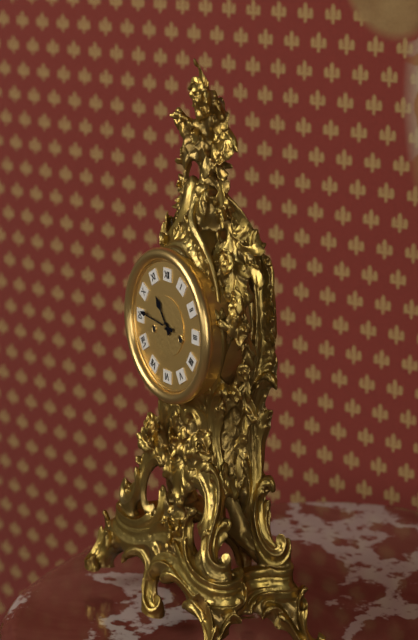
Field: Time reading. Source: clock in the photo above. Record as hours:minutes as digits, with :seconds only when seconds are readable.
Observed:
10:46
